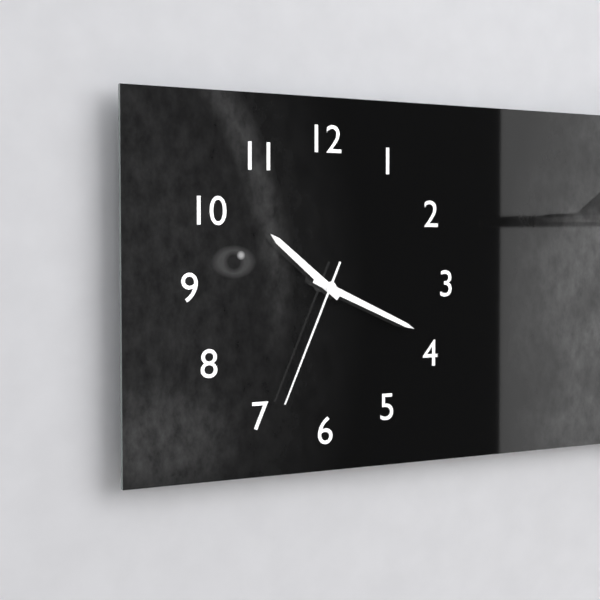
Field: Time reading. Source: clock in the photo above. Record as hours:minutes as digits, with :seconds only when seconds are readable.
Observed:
10:19:34
